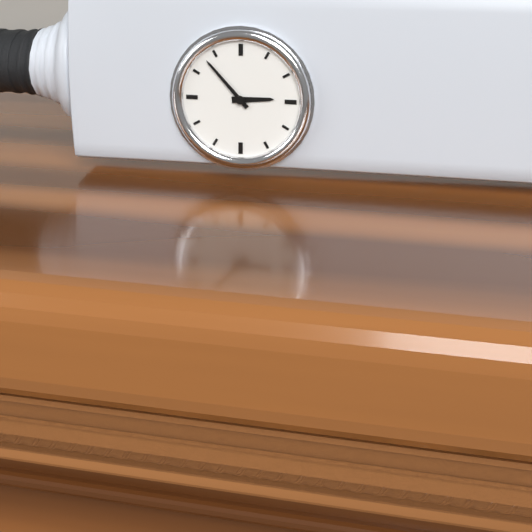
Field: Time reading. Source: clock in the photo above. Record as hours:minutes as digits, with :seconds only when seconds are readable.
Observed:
2:53
